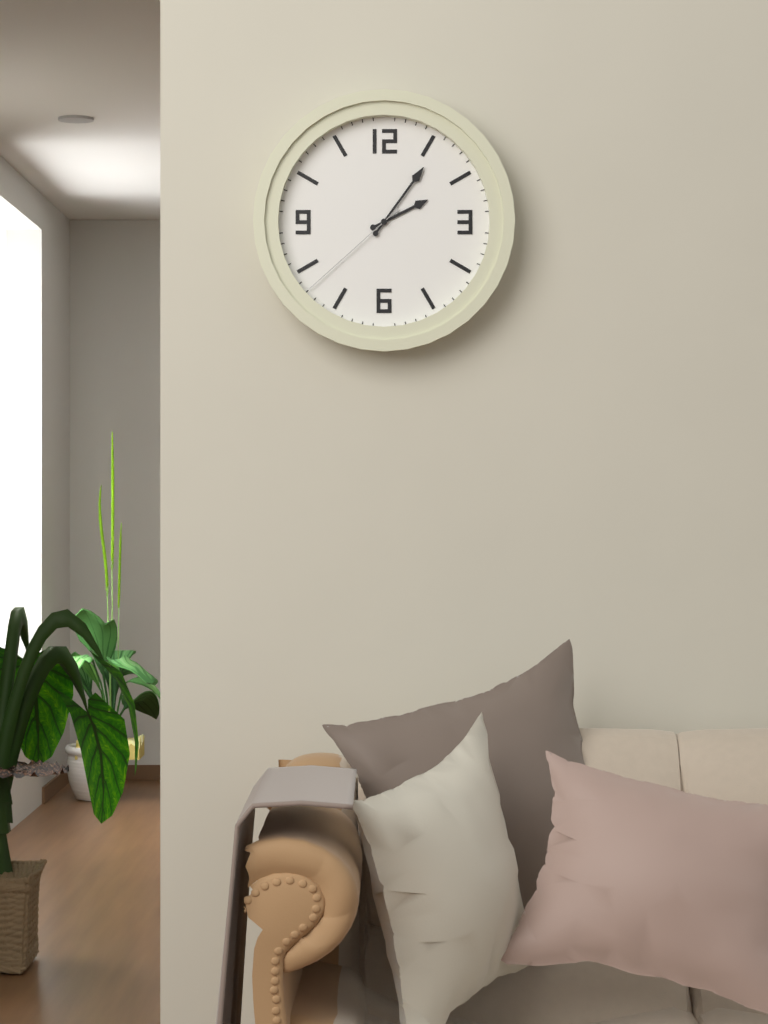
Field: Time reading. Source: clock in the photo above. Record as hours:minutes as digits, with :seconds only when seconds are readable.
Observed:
2:06:38
